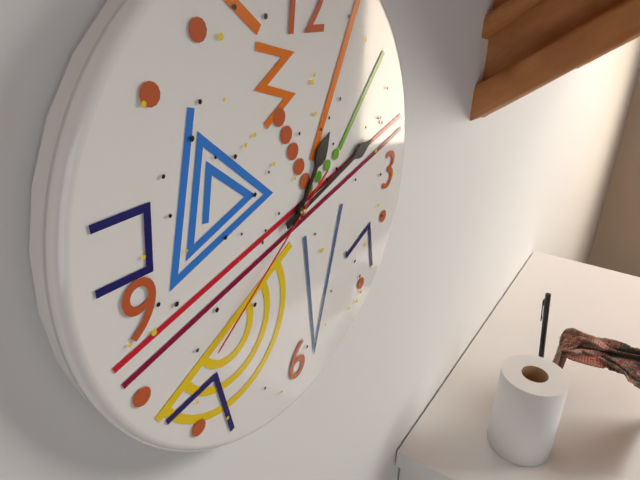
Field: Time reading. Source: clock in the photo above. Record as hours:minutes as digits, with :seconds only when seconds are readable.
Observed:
1:12:39
